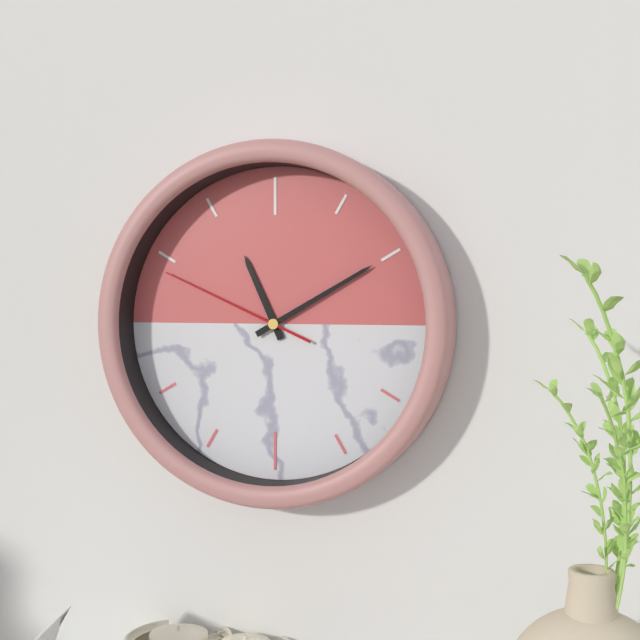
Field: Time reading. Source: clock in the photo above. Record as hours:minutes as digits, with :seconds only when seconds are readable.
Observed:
11:10:49
